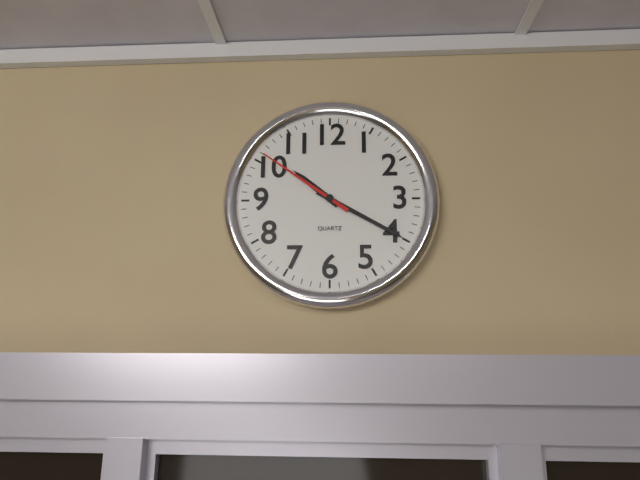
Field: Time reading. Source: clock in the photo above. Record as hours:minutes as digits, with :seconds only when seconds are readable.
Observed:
10:20:51
